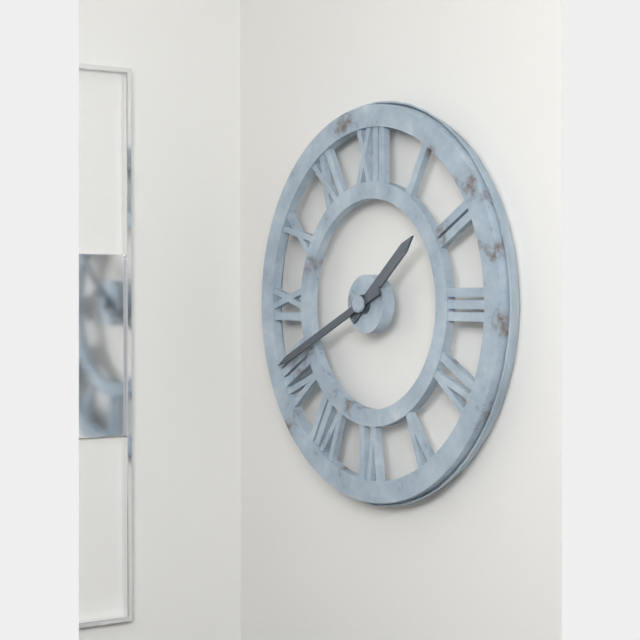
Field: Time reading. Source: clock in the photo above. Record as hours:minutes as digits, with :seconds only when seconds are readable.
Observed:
1:41
